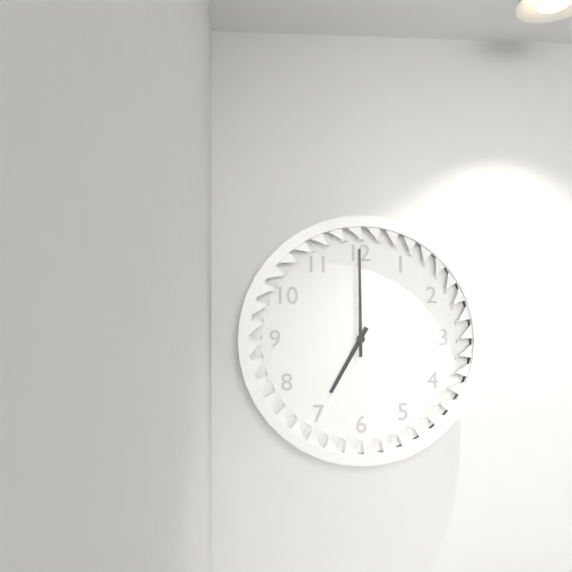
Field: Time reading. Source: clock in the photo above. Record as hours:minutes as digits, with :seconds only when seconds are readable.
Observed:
7:00
